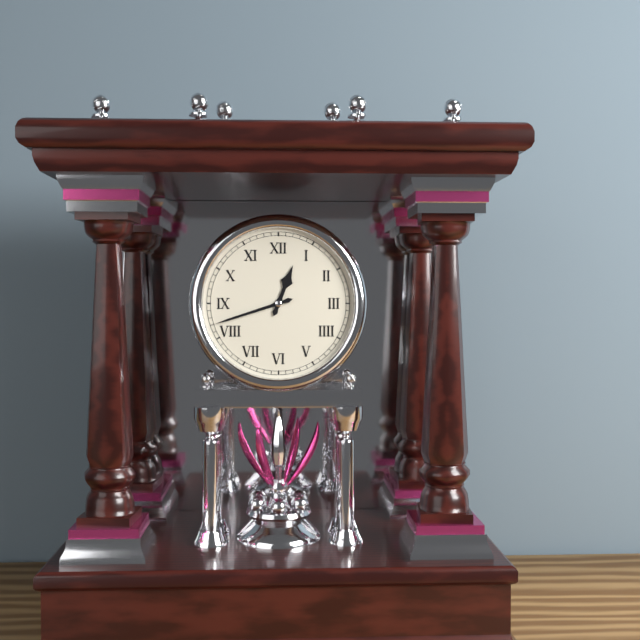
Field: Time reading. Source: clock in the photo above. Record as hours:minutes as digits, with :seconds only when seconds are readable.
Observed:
12:42
